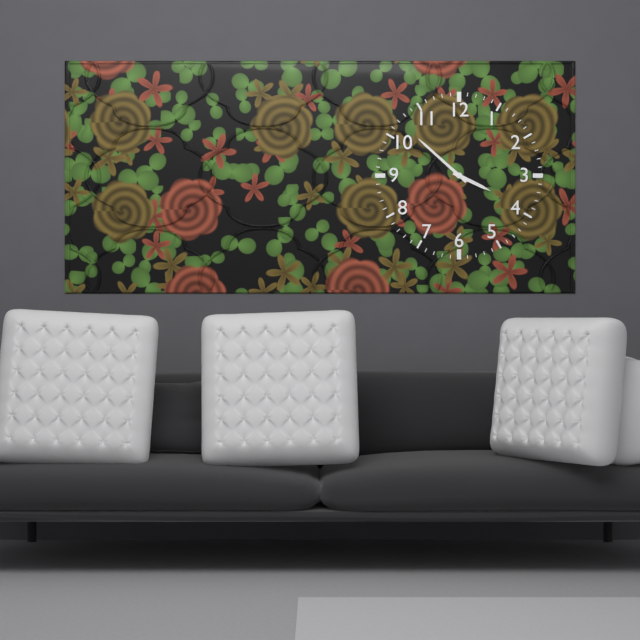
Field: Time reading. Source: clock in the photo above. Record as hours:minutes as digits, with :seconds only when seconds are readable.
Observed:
3:52
